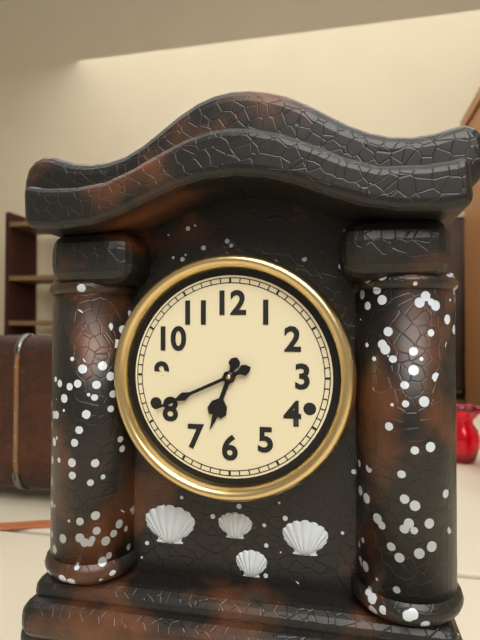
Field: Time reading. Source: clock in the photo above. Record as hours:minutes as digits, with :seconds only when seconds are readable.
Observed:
6:41
